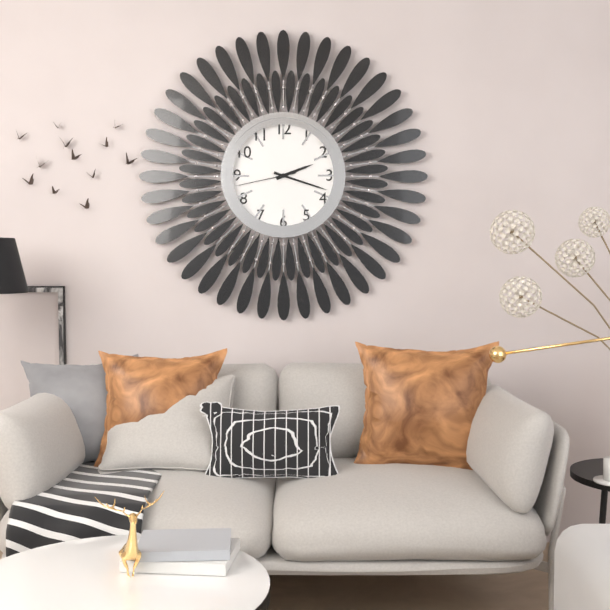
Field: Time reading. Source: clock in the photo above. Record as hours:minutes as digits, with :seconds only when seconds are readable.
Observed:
2:18:43
